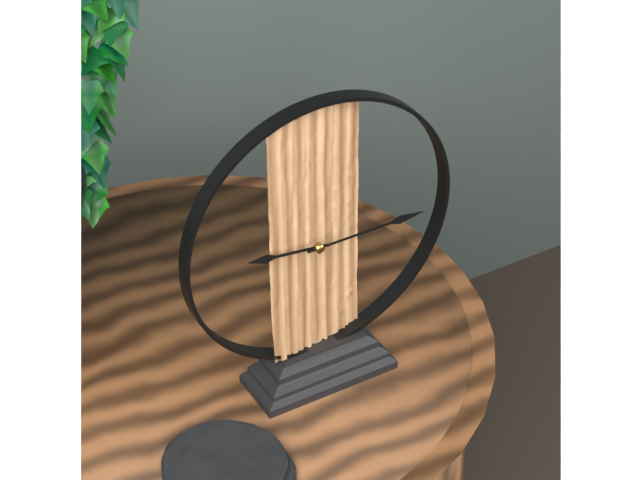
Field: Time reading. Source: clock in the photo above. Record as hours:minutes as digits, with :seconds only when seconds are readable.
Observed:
9:15
